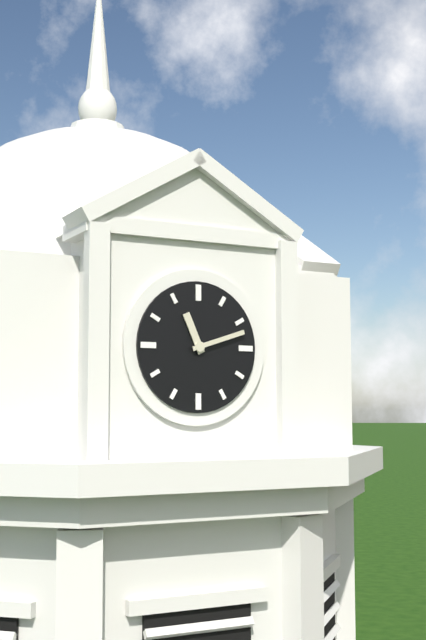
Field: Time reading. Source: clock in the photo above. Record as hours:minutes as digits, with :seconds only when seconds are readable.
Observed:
11:12
